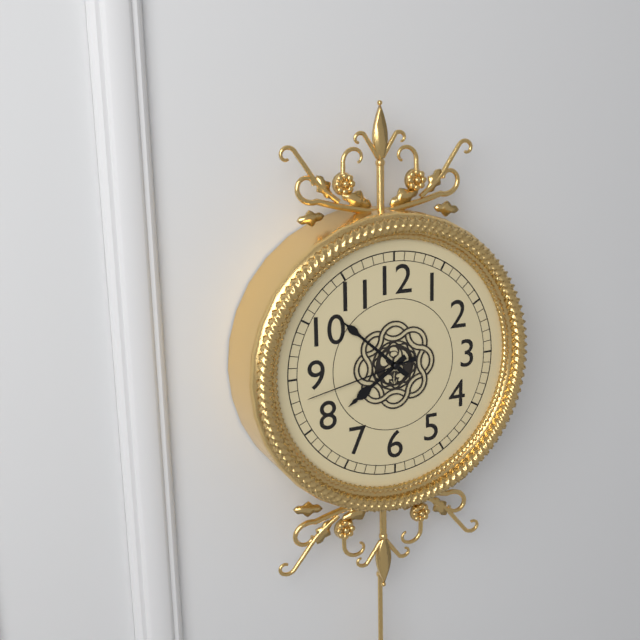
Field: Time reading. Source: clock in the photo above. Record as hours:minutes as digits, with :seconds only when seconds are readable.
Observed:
7:52:43
